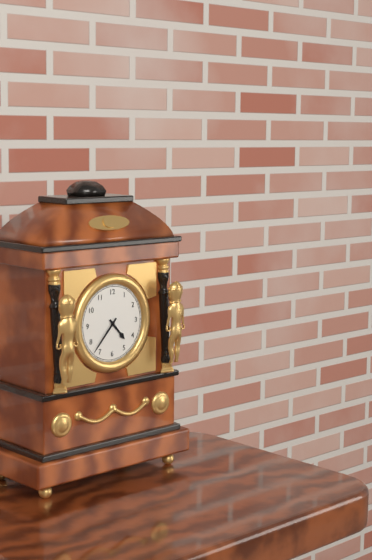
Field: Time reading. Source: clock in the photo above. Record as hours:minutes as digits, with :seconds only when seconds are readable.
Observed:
4:37
